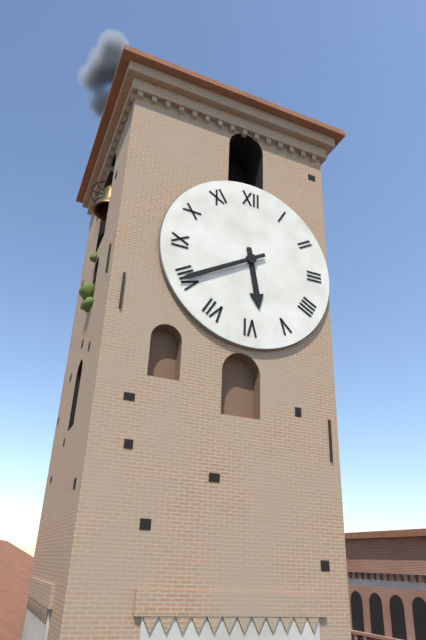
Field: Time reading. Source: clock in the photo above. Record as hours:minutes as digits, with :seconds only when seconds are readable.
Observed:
5:40
